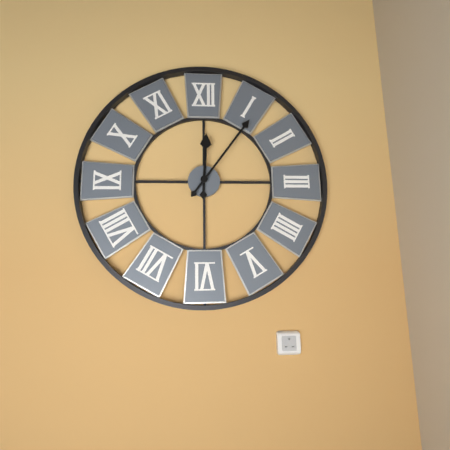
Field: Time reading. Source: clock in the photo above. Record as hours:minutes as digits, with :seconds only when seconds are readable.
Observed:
12:06
